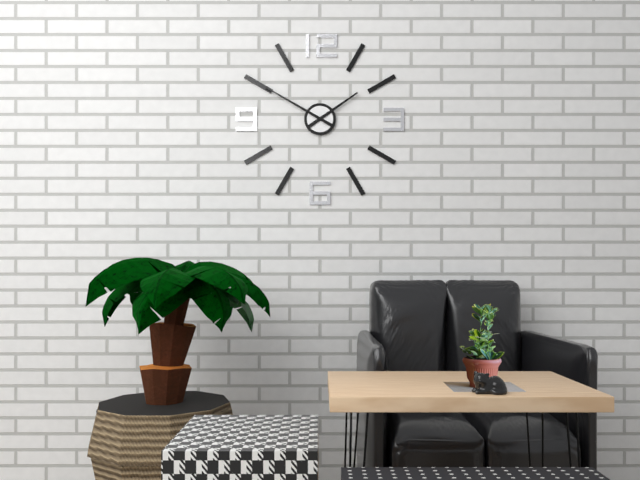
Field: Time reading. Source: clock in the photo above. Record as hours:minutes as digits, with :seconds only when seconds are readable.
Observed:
1:50
